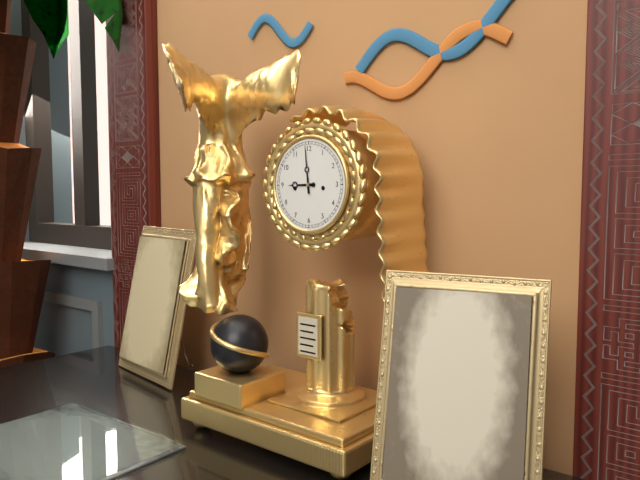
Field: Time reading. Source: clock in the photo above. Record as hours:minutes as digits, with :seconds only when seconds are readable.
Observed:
8:59
